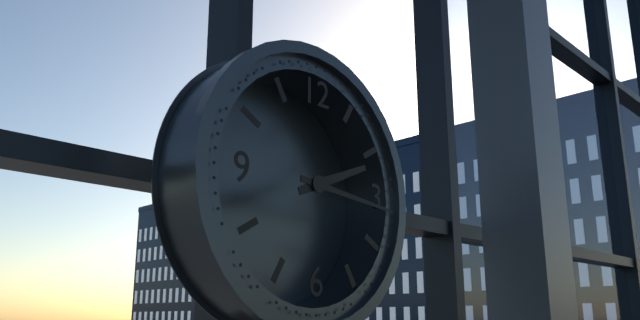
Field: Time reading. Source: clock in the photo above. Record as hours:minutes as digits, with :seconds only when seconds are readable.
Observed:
2:16
